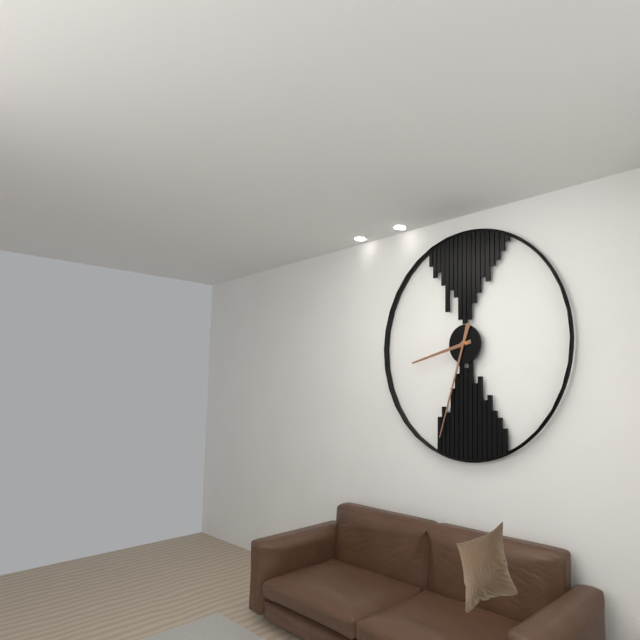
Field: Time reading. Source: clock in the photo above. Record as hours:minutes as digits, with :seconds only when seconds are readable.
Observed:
8:33
